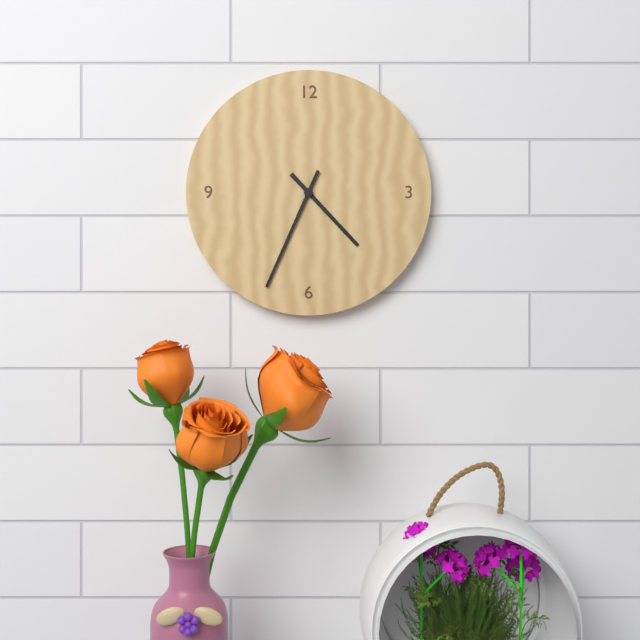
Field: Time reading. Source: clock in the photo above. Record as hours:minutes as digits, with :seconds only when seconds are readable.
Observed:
4:34
